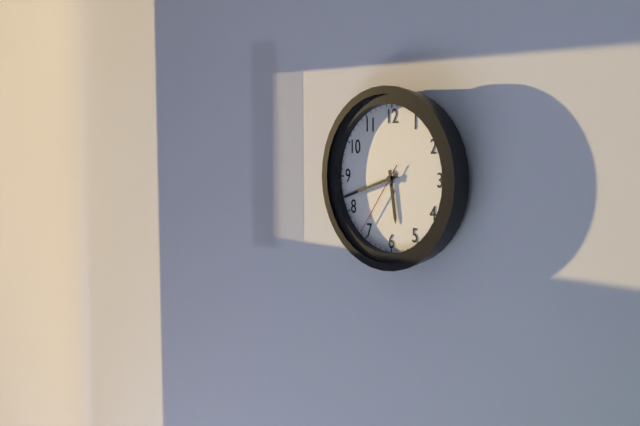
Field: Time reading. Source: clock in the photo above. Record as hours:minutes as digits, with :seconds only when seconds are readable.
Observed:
5:42:36
